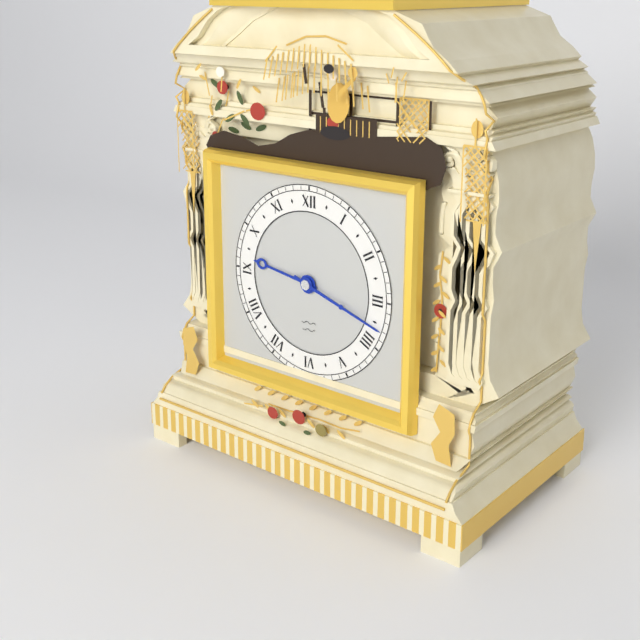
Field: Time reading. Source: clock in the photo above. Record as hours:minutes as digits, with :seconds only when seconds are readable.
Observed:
9:18
